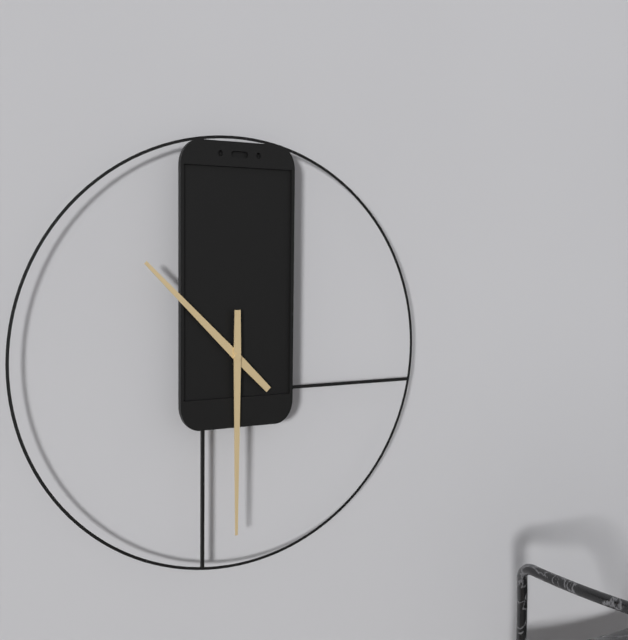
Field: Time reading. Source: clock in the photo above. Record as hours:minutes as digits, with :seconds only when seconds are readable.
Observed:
10:30
